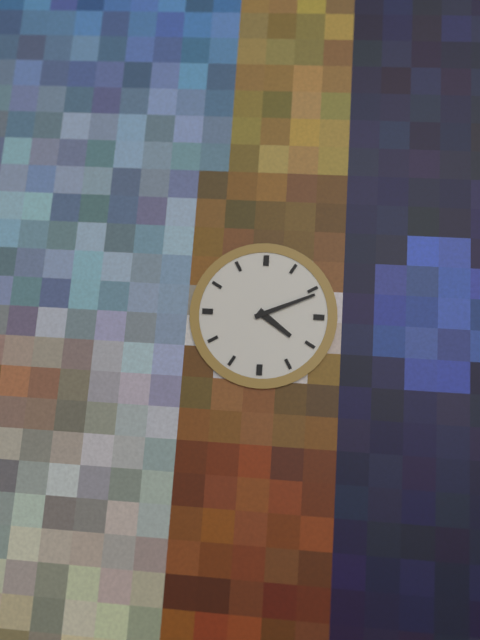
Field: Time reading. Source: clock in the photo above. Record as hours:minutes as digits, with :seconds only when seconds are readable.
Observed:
4:11
